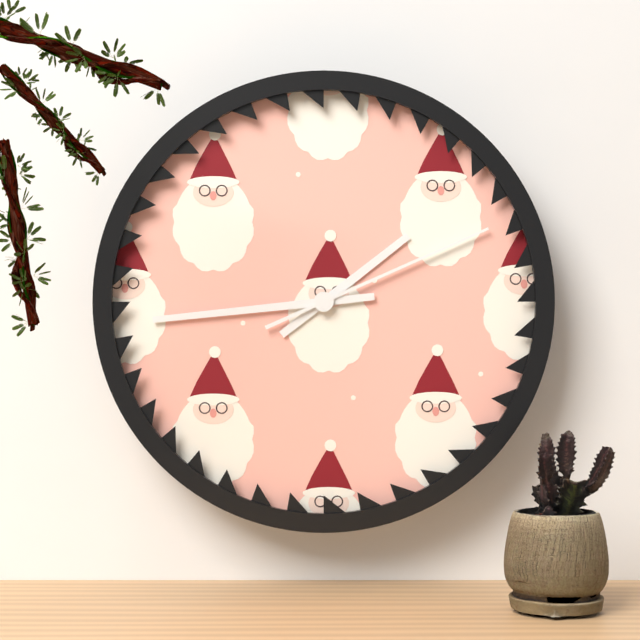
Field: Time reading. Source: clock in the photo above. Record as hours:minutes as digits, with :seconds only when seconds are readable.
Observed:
1:44:11
